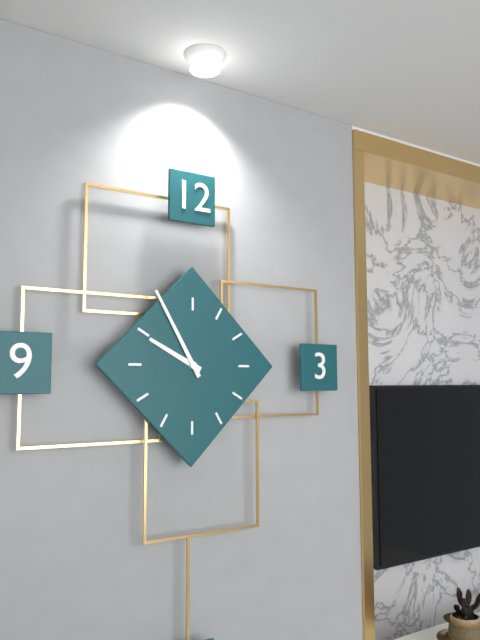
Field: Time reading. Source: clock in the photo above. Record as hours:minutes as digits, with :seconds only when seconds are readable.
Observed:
9:55
